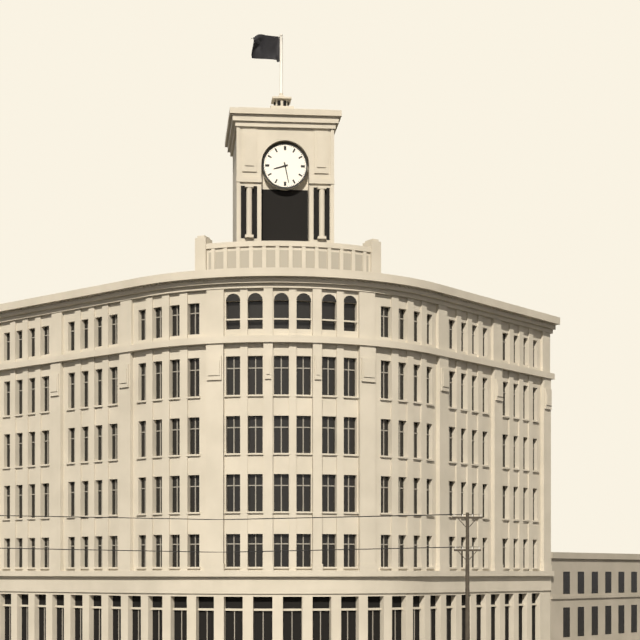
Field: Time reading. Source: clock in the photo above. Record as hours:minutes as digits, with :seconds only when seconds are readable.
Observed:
8:28
